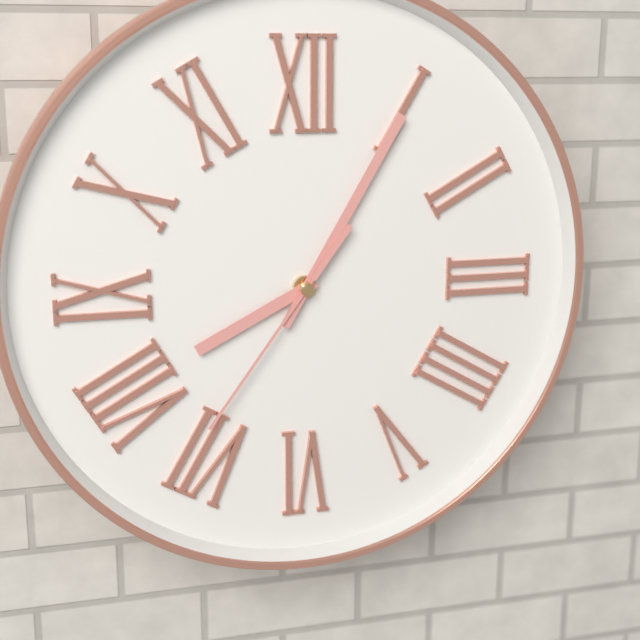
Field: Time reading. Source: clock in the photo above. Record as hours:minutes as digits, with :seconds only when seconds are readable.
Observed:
8:05:36
